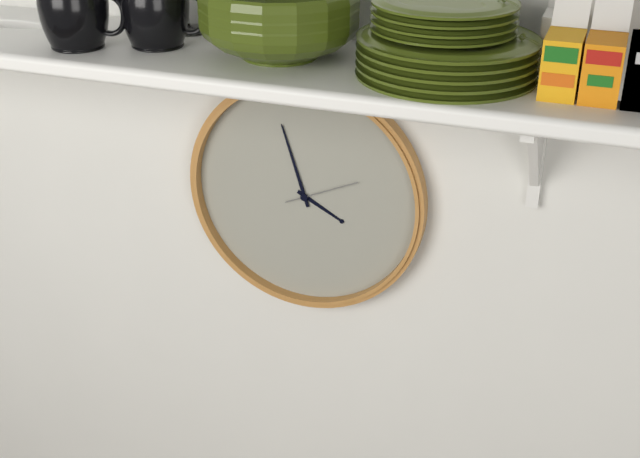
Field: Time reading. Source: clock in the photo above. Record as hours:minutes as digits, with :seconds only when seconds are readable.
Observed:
3:57:11
